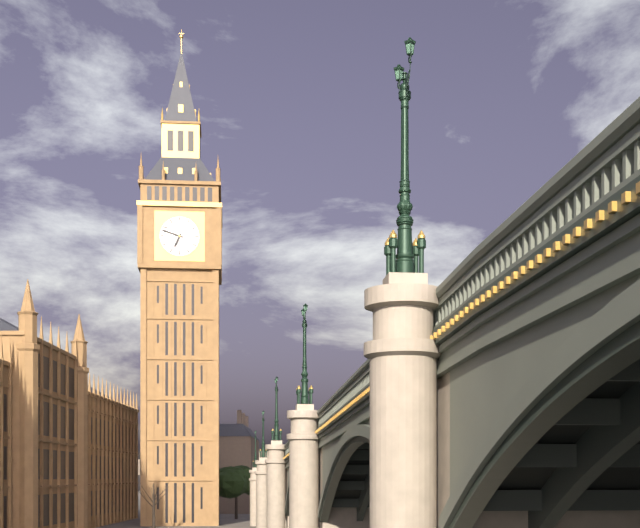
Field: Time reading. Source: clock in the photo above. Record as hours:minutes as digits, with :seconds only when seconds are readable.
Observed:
6:48
